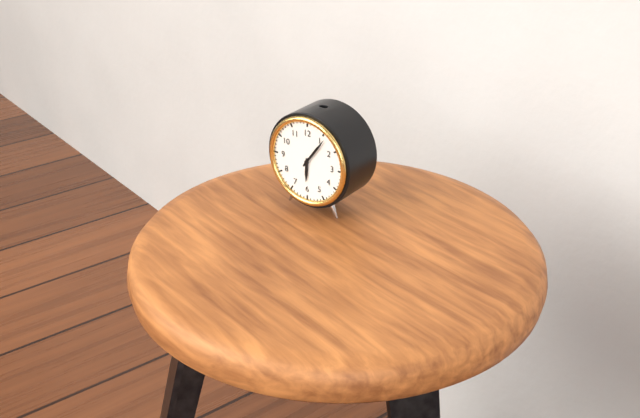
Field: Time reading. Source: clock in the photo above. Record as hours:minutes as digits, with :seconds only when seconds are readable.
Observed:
6:06
